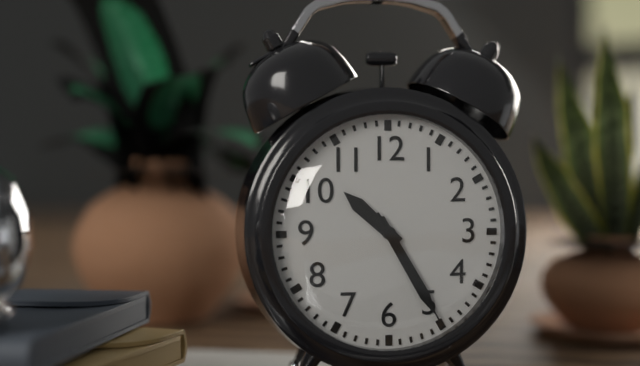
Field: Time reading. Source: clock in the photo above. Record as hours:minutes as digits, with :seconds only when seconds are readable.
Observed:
10:25:25
